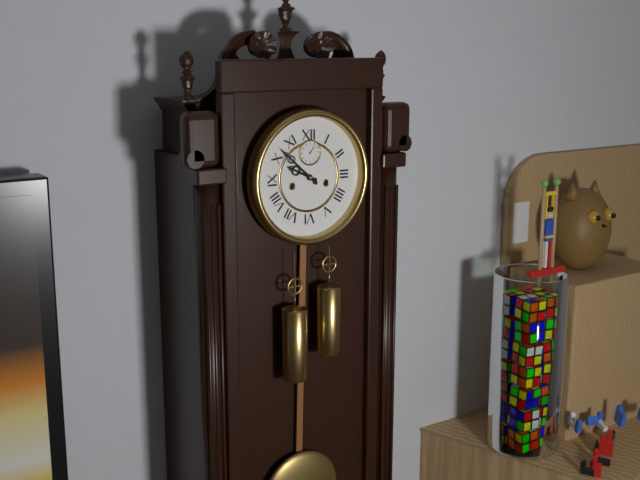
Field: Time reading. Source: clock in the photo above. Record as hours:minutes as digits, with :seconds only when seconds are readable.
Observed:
9:52
